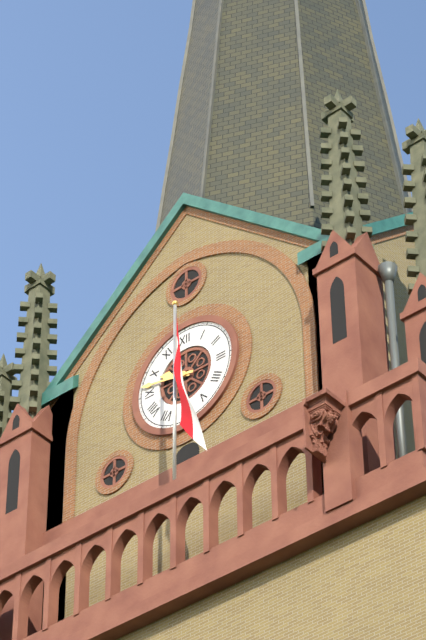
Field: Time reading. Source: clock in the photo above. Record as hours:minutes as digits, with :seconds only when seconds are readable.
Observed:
9:47
